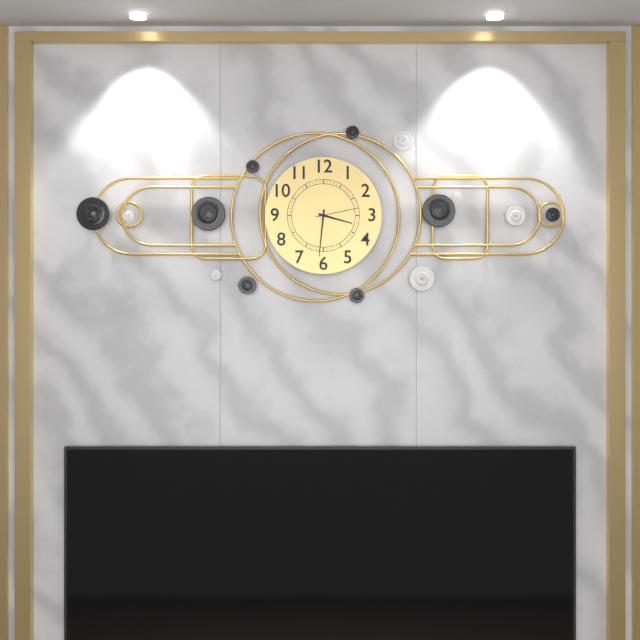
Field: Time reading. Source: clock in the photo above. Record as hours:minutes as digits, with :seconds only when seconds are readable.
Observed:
3:31
